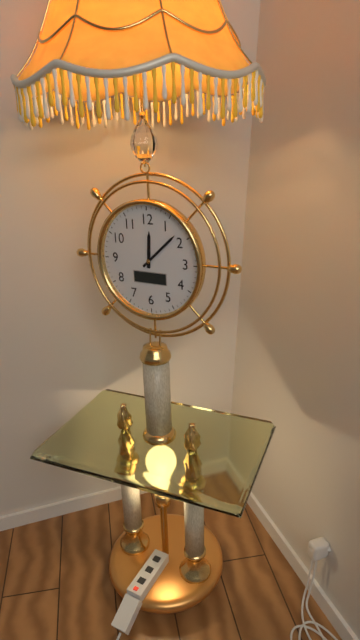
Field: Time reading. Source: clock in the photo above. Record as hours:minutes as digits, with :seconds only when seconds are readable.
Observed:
12:08
